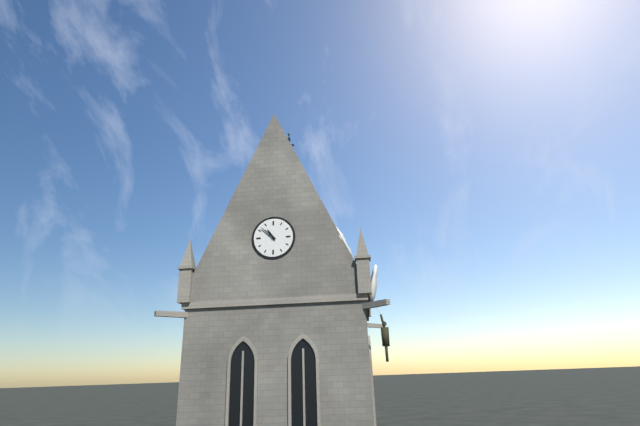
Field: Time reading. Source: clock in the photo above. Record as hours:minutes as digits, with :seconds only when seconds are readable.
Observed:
10:52
